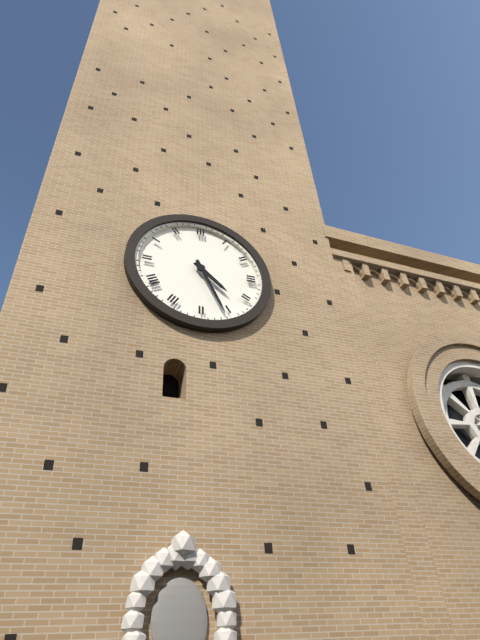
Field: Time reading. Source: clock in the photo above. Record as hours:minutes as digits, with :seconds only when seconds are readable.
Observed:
4:26
